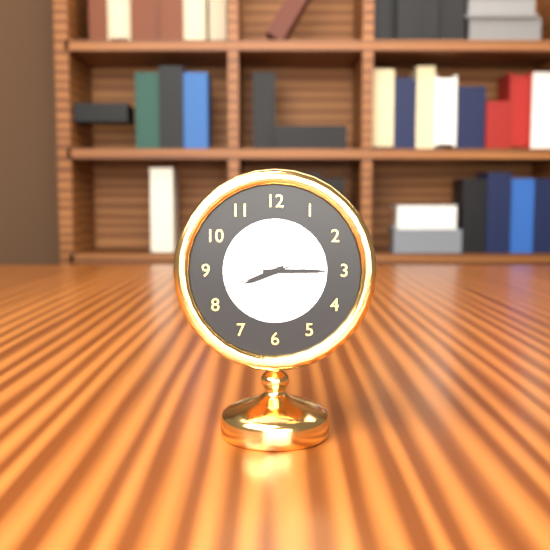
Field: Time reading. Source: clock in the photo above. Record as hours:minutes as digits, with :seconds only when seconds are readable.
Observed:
8:15:42
